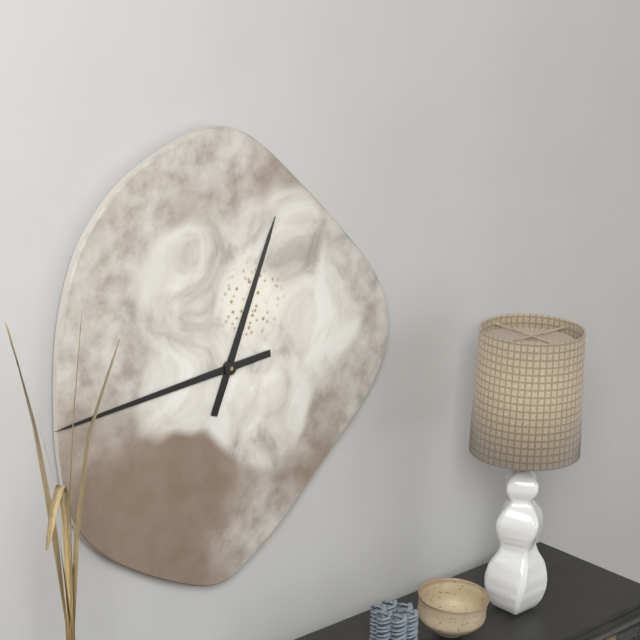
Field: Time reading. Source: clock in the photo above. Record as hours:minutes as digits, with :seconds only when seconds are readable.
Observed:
12:44
